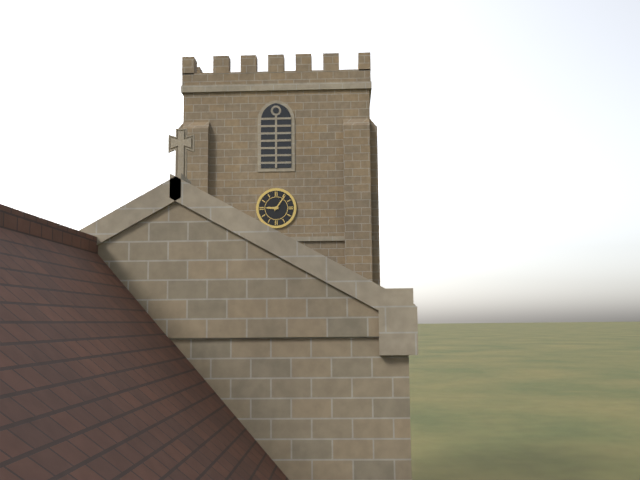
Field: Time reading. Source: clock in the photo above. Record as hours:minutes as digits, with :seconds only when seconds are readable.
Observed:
9:06
